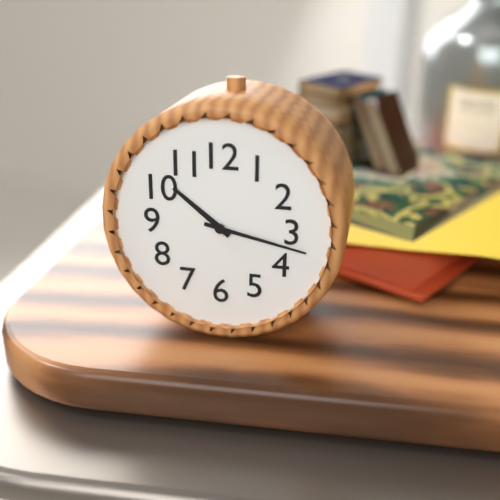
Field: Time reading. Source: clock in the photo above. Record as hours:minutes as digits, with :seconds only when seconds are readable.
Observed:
10:17
